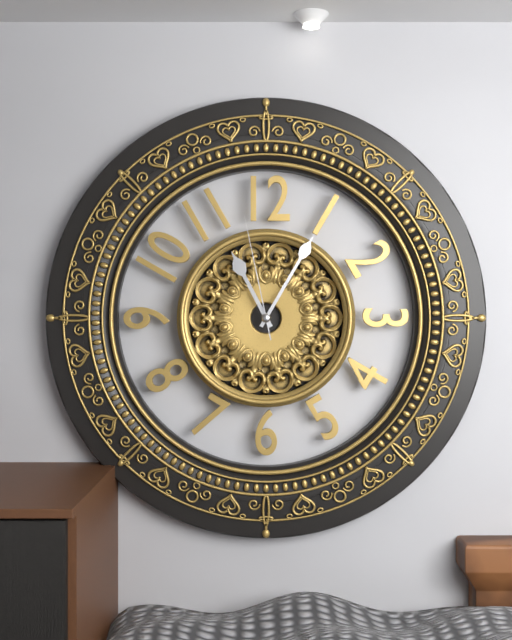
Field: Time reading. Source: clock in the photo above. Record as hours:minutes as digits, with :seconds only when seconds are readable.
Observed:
11:05:58
